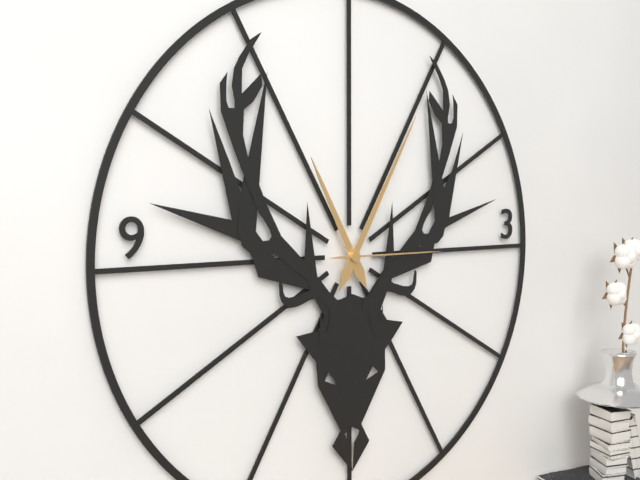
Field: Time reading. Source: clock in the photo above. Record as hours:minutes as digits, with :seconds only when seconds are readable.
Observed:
11:05:15
